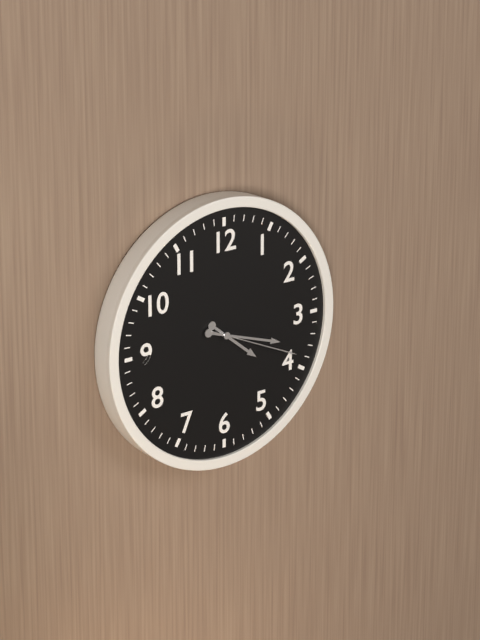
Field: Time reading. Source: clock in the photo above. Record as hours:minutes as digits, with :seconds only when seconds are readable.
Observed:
4:18:19
